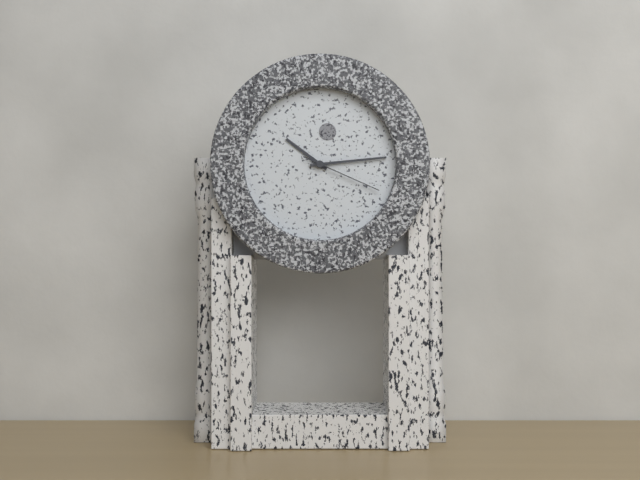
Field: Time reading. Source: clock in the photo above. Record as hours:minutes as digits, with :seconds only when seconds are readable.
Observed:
10:14:19
